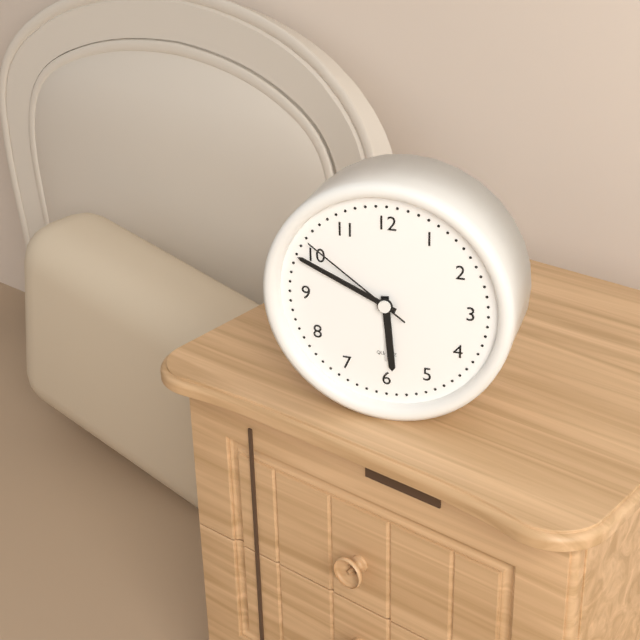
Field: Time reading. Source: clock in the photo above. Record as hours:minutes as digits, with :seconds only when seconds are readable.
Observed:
5:49:51
